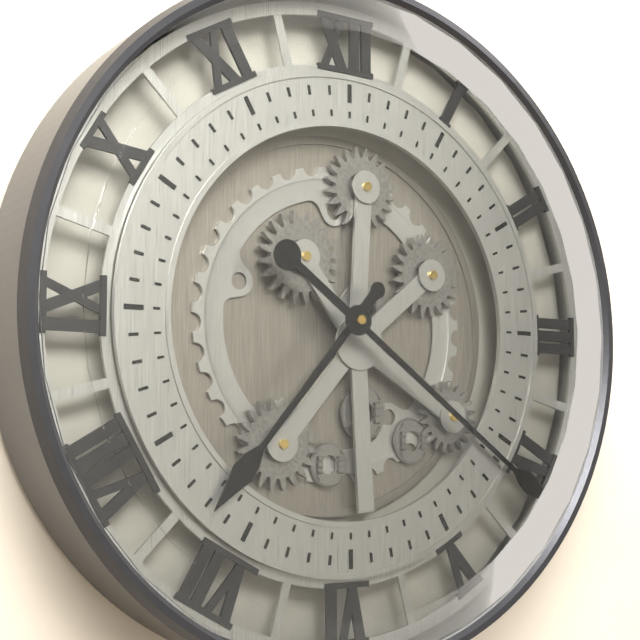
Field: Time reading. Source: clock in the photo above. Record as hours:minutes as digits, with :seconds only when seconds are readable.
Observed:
7:21
